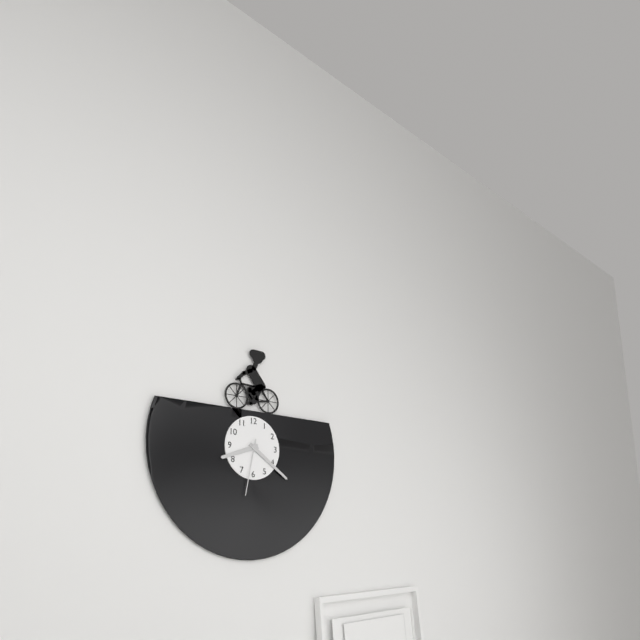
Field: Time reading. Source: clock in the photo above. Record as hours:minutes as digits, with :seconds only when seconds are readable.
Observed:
8:21:32
